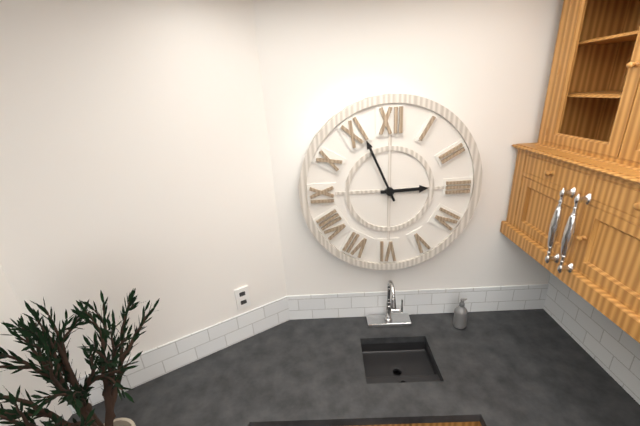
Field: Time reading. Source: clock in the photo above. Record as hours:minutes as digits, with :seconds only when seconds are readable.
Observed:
2:56
